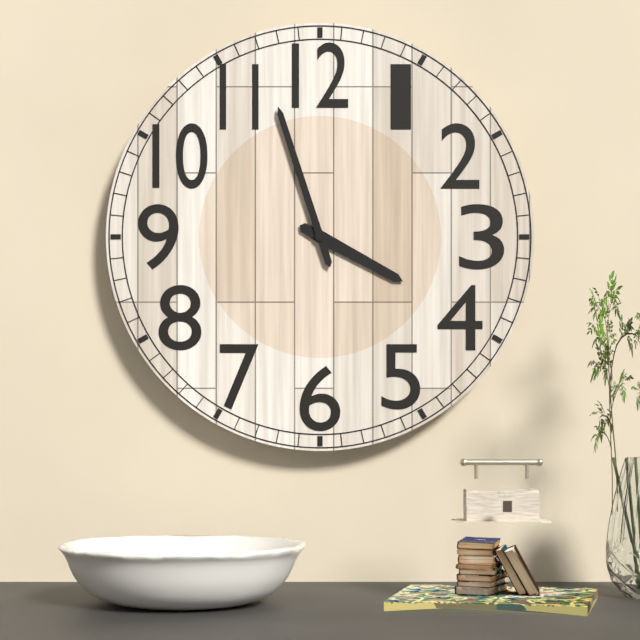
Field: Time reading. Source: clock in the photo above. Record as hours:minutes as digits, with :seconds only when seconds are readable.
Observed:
3:57
